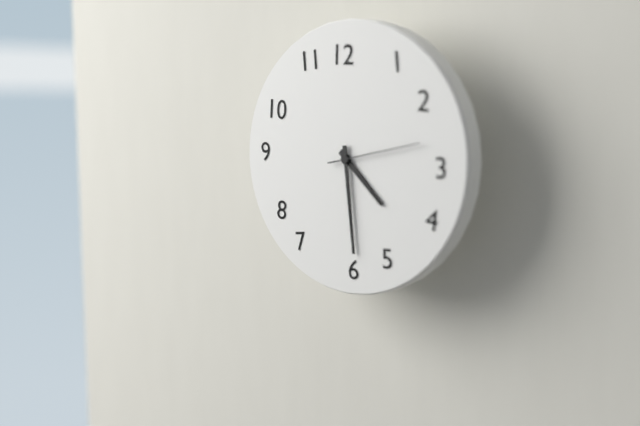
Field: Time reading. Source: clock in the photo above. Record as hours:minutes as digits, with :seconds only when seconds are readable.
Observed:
4:29
